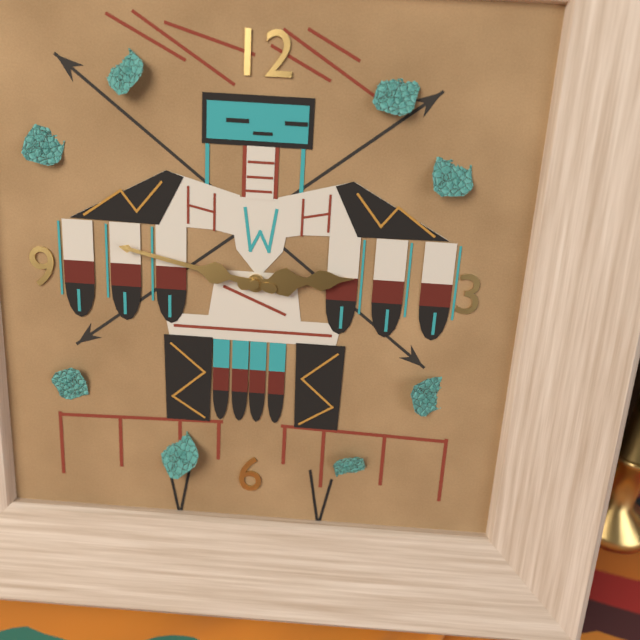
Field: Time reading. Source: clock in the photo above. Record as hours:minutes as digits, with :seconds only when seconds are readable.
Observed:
2:47
